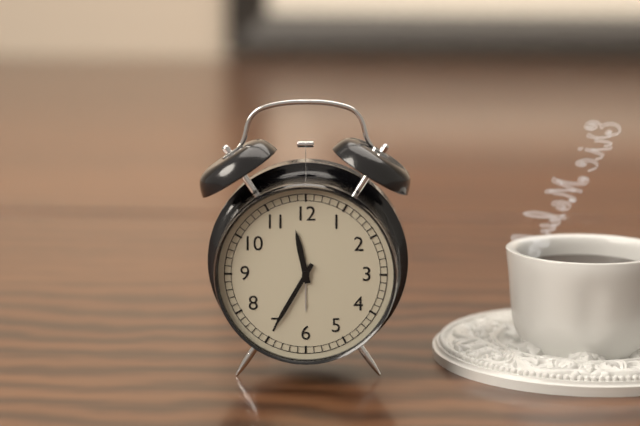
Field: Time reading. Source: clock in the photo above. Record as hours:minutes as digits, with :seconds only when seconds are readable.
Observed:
11:35
